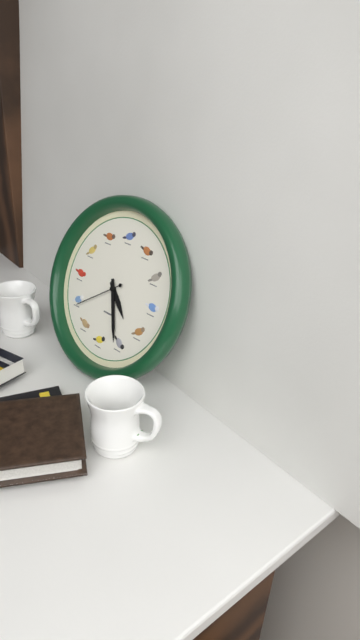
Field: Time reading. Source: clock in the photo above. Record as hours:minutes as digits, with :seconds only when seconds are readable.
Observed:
4:26:39
